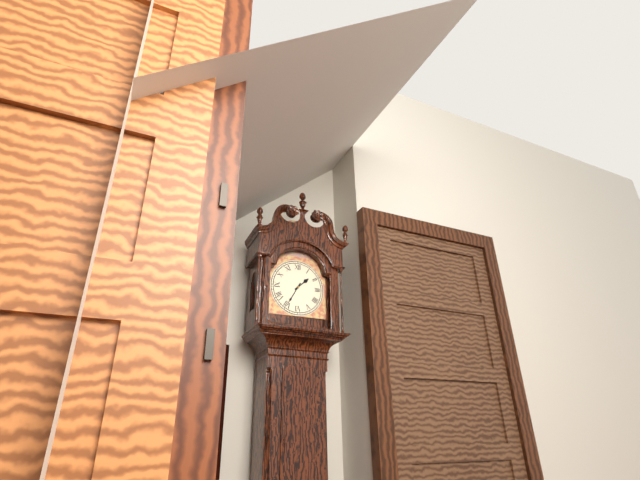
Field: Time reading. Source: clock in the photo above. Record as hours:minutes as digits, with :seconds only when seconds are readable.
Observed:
1:35
